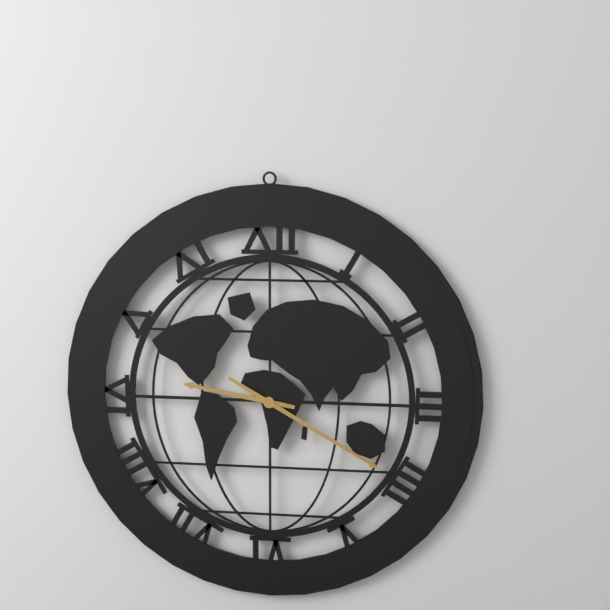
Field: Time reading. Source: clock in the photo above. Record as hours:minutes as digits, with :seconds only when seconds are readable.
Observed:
9:20
